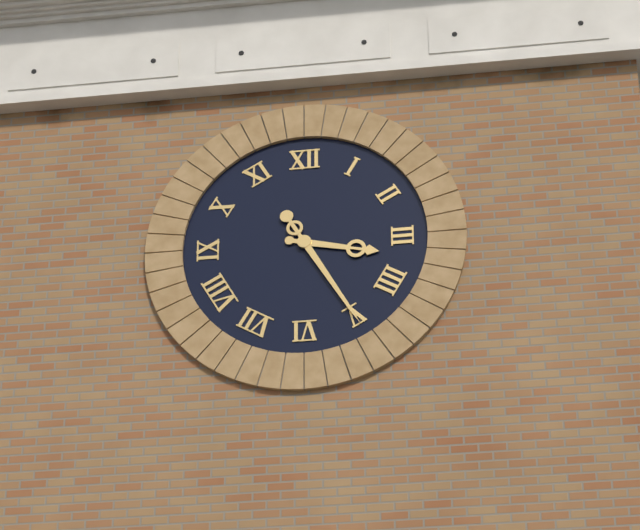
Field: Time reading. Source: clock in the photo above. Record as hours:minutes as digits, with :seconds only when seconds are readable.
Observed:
3:25
